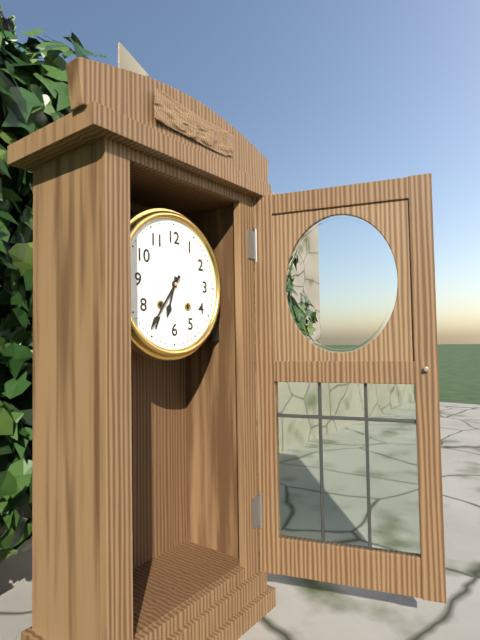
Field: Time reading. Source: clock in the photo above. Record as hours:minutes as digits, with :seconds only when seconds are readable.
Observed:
6:36
